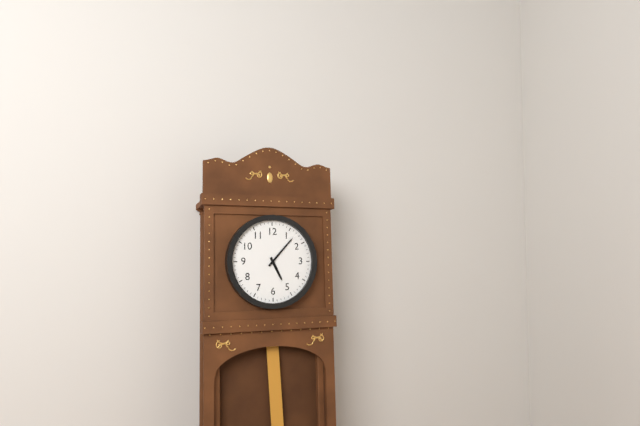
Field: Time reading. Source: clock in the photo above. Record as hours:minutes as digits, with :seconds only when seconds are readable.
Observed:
5:07
